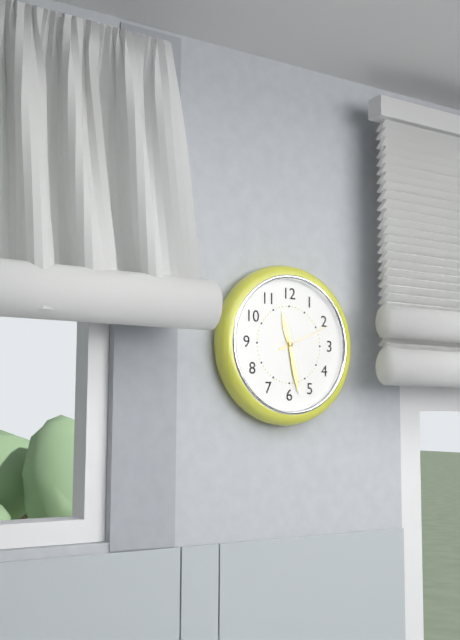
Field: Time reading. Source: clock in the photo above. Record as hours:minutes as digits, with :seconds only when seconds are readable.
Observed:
11:28:11
